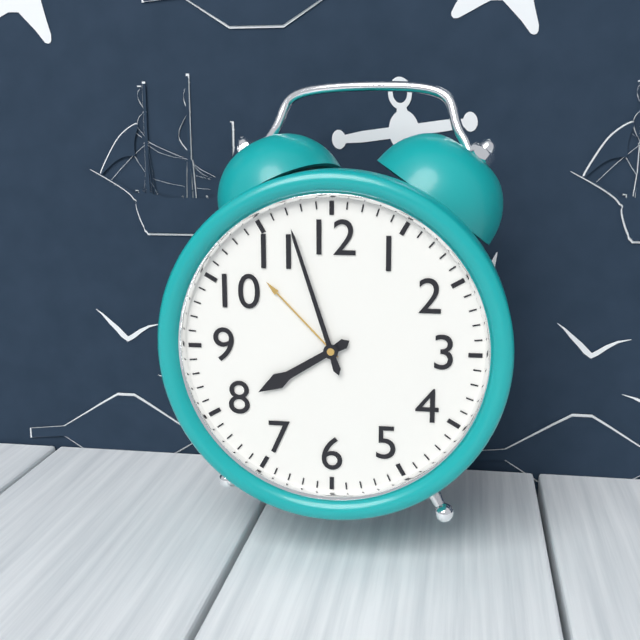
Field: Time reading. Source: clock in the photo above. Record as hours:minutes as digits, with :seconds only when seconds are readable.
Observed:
7:57
